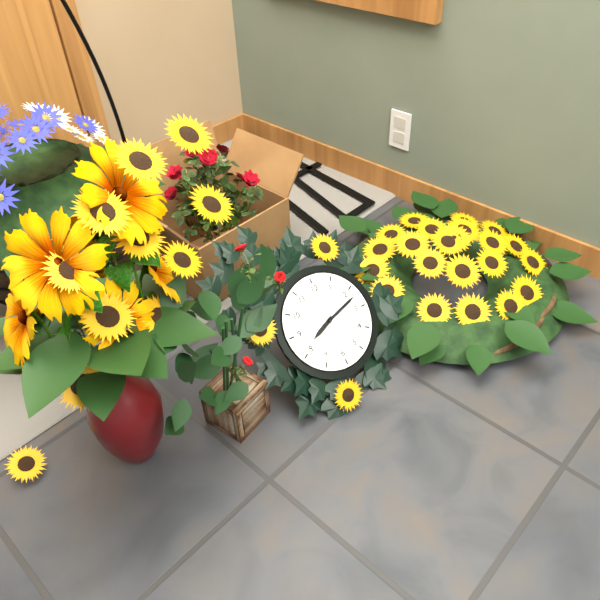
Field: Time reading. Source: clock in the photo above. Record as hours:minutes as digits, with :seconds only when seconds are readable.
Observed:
8:12
